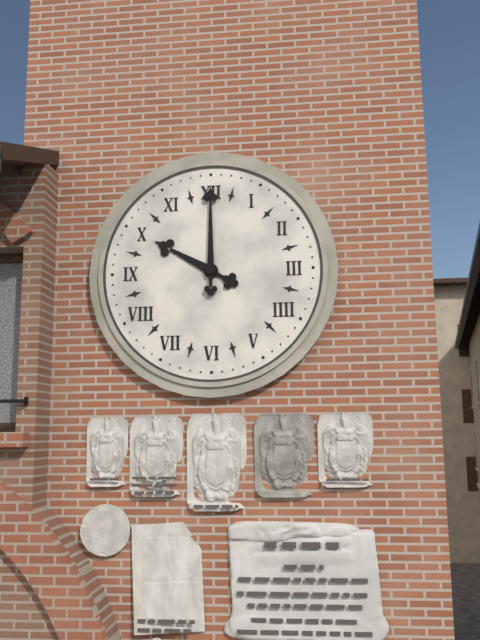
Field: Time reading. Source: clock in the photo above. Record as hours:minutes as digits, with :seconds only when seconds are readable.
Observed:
10:00
